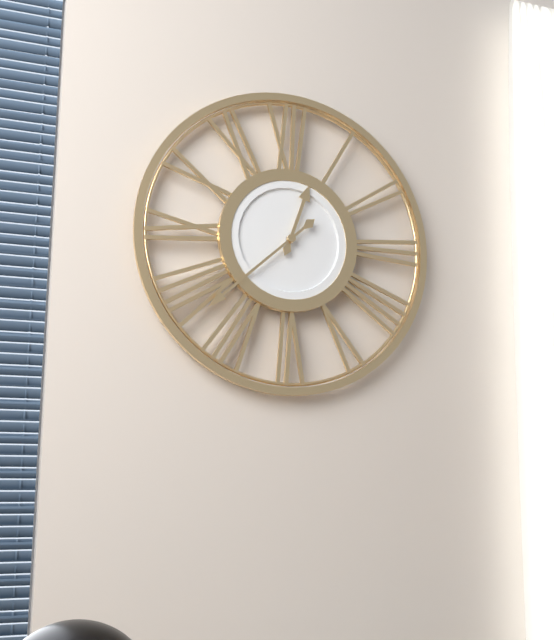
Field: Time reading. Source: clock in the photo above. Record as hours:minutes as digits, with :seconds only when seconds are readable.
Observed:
12:38
